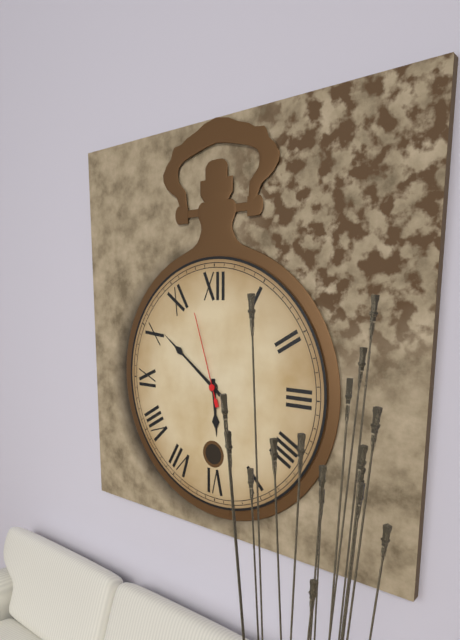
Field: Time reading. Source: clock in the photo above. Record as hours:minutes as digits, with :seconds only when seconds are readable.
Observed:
5:51:57
